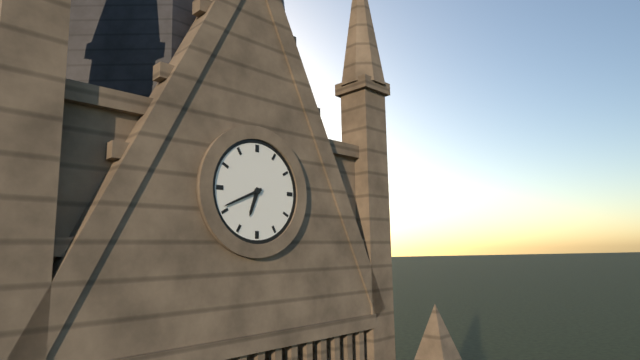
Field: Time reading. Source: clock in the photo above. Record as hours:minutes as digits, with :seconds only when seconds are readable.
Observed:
6:41
